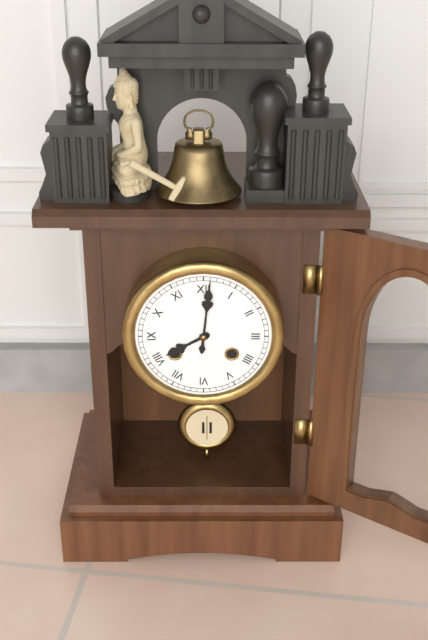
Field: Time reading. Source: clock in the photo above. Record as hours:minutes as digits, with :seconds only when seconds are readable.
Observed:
8:01
